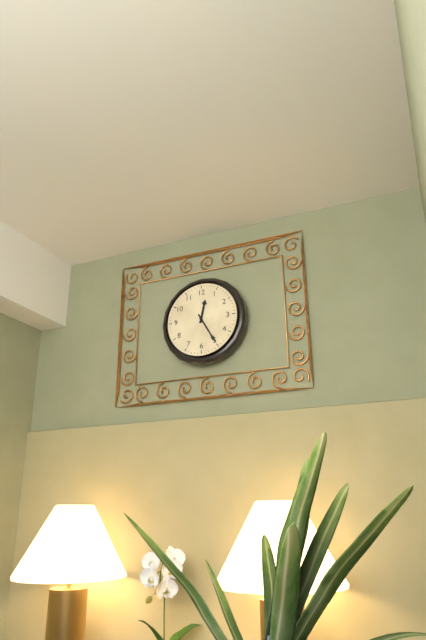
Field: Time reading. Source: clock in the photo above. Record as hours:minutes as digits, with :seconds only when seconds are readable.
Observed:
12:25
